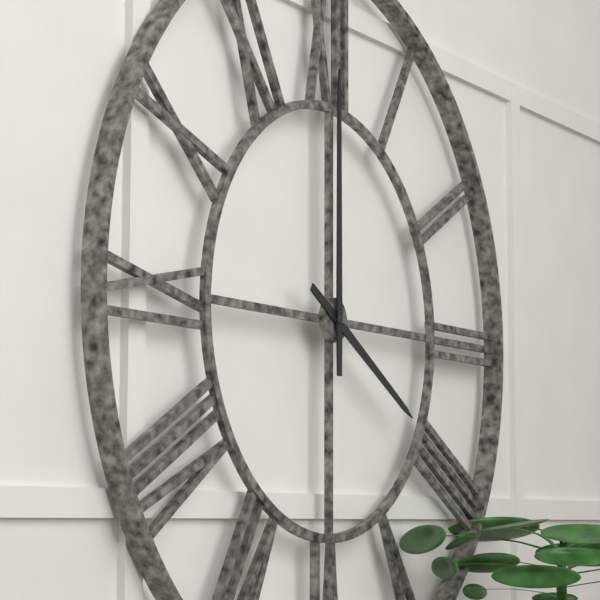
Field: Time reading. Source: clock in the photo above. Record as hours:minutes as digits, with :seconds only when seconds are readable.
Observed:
4:00
